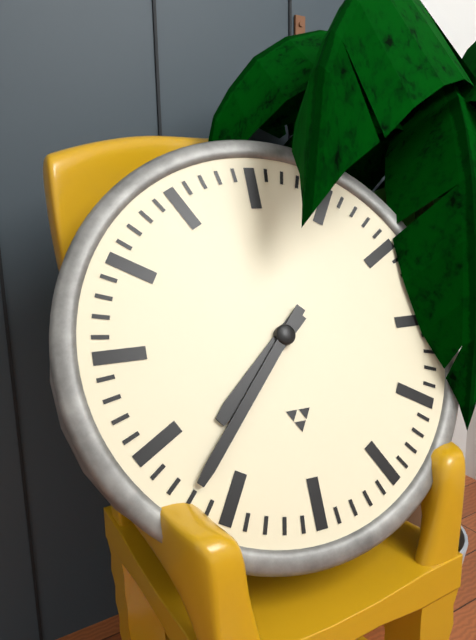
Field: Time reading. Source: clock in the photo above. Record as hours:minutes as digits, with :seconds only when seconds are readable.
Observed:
7:37
